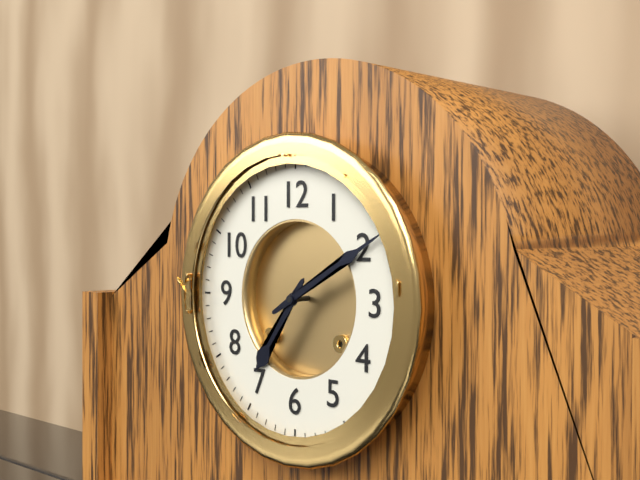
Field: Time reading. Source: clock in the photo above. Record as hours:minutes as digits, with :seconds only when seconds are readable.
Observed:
7:10
